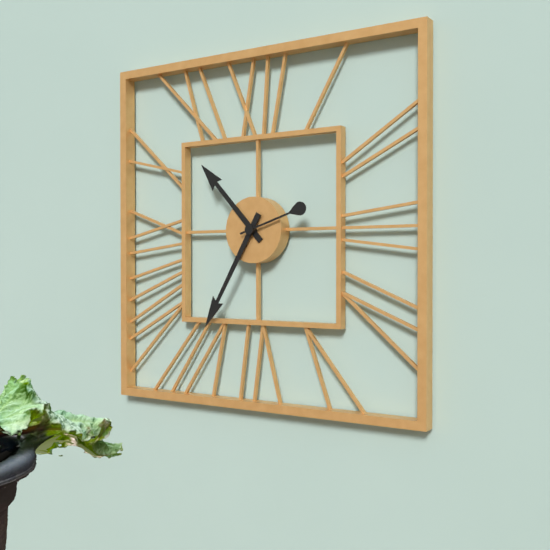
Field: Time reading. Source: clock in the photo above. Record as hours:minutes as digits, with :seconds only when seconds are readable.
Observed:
10:35:12
